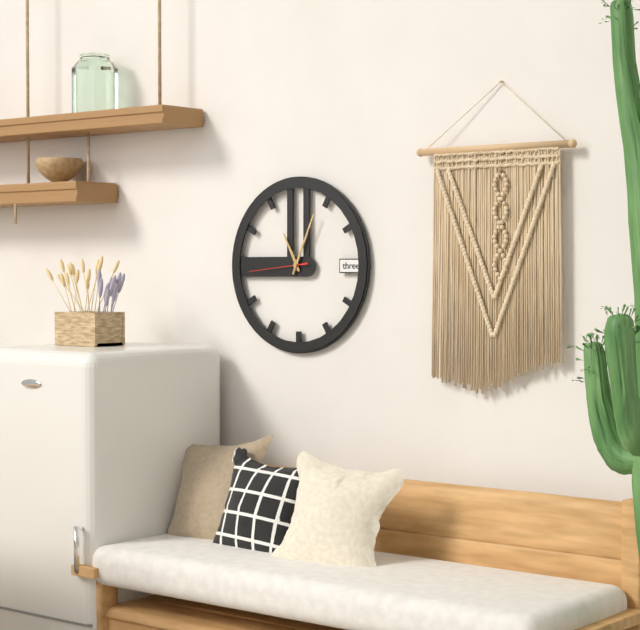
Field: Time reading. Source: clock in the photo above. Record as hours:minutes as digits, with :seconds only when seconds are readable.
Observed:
11:04:44
